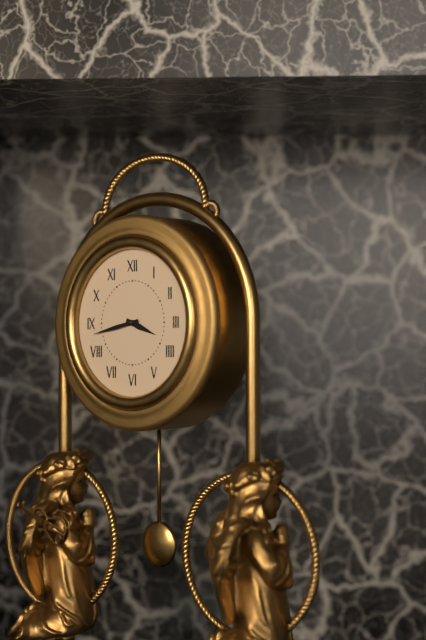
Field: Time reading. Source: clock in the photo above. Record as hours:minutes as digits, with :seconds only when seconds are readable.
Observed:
3:43
